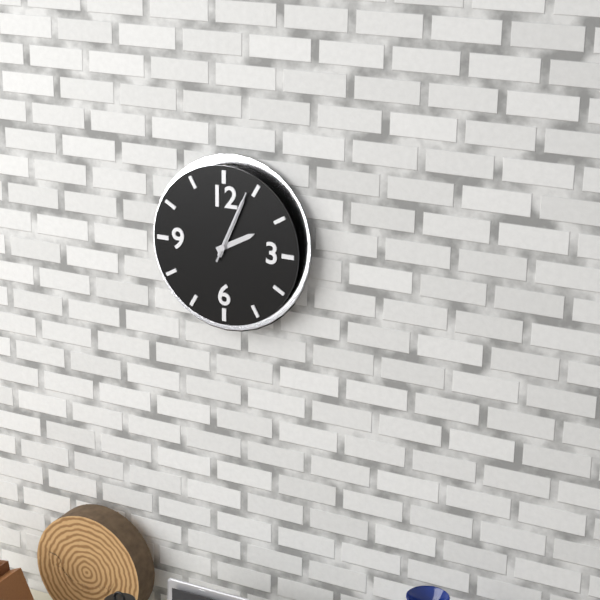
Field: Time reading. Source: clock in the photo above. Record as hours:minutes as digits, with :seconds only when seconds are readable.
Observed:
2:04:04
